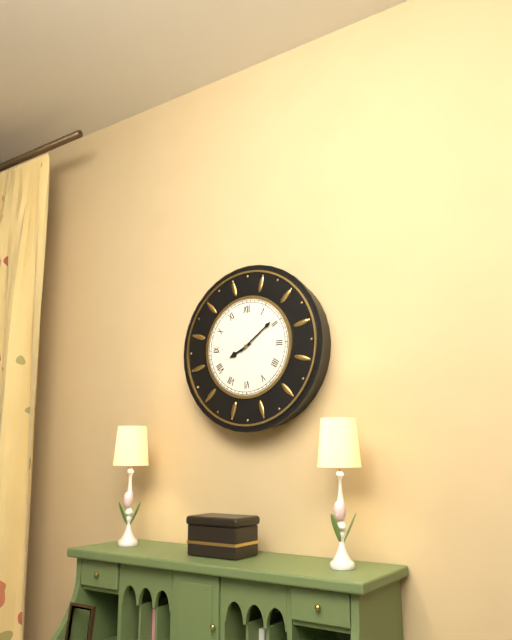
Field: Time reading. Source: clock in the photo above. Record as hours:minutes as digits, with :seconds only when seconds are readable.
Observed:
8:09
